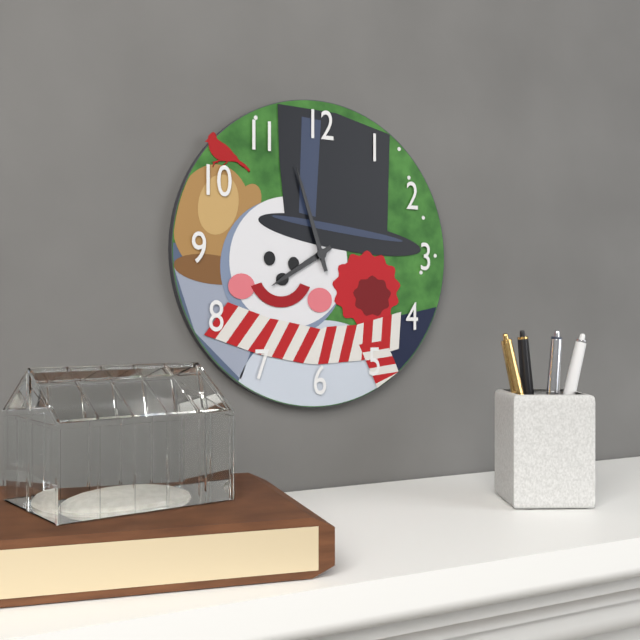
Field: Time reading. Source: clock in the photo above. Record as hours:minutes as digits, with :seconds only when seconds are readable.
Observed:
7:57
